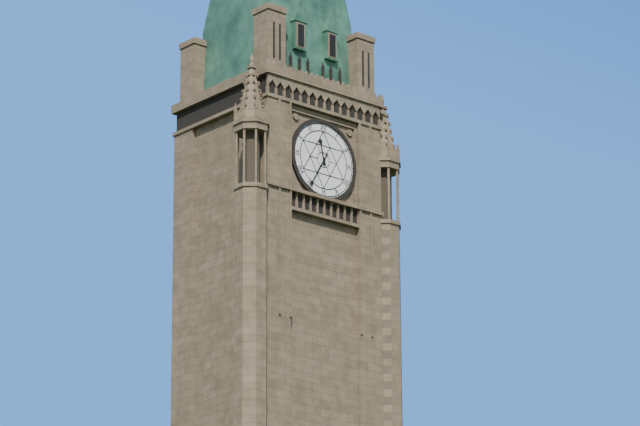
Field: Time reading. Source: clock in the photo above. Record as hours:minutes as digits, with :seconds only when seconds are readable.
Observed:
11:35
